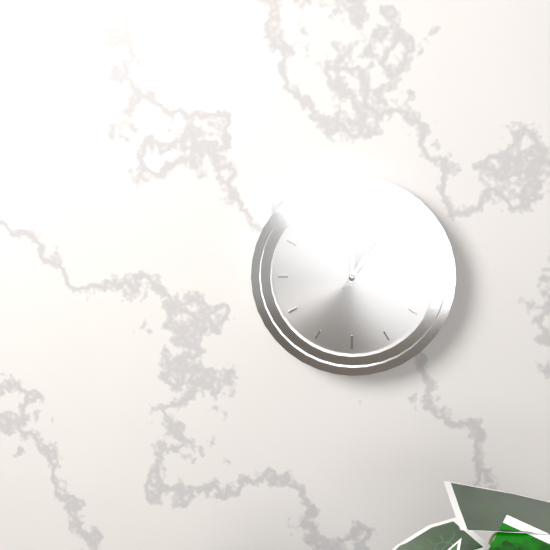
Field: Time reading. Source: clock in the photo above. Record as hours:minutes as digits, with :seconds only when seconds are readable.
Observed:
12:05:06
